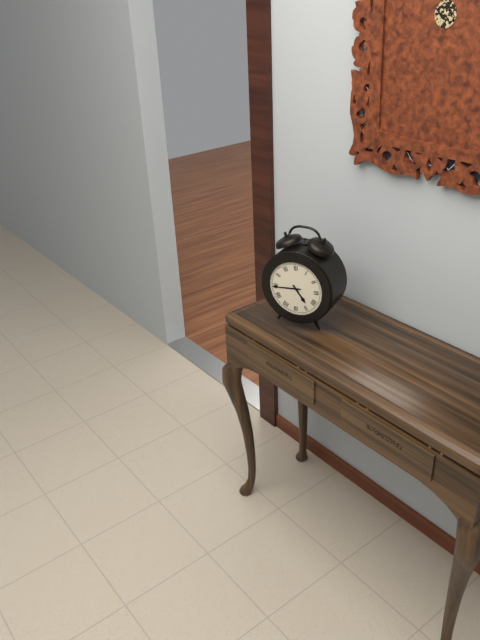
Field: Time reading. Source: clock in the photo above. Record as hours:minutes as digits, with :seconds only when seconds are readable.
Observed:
4:44
